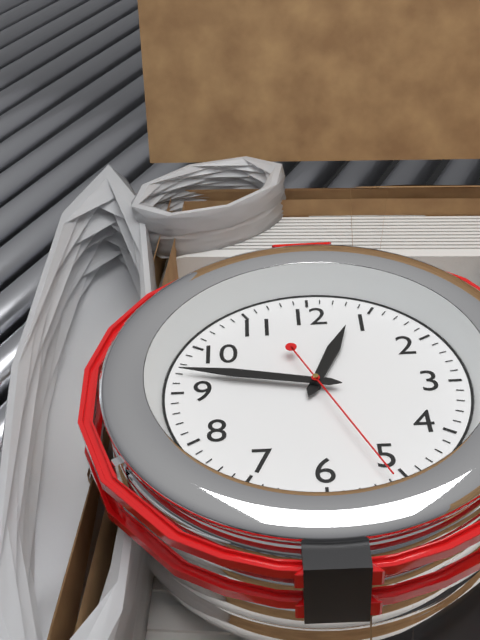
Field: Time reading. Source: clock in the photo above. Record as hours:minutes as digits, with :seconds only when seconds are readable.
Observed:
12:47:26
